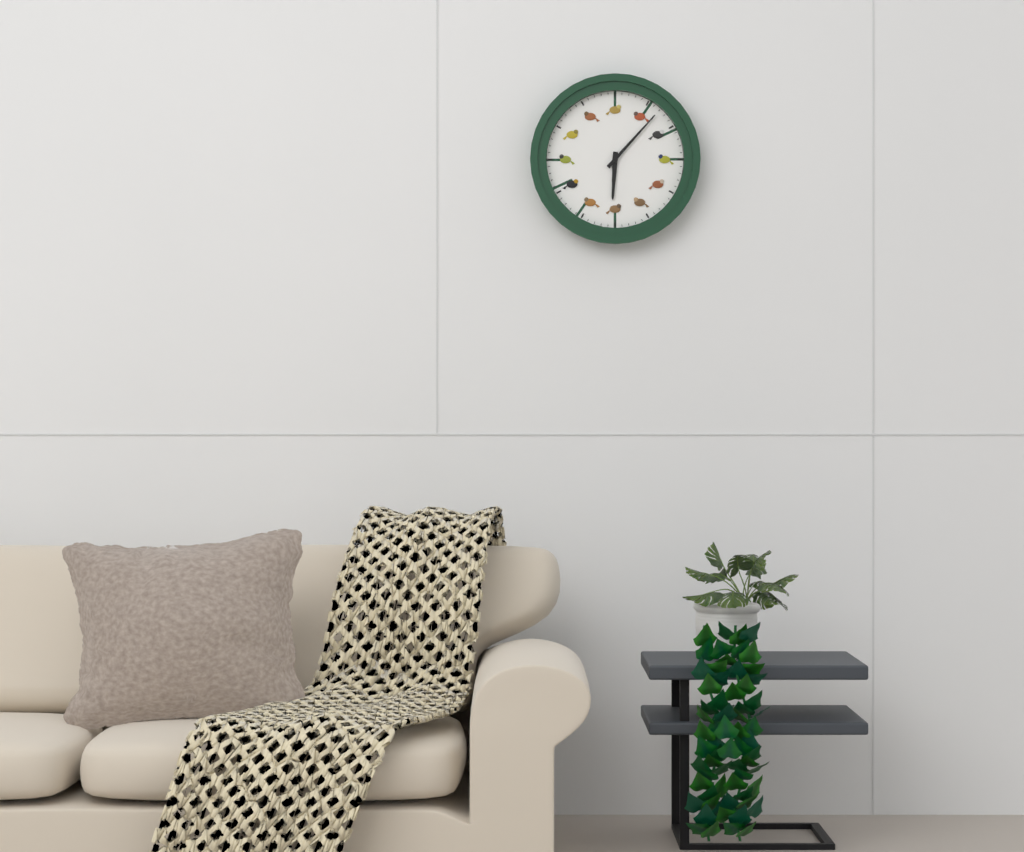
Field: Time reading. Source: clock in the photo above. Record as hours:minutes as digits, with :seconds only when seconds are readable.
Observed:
6:07
